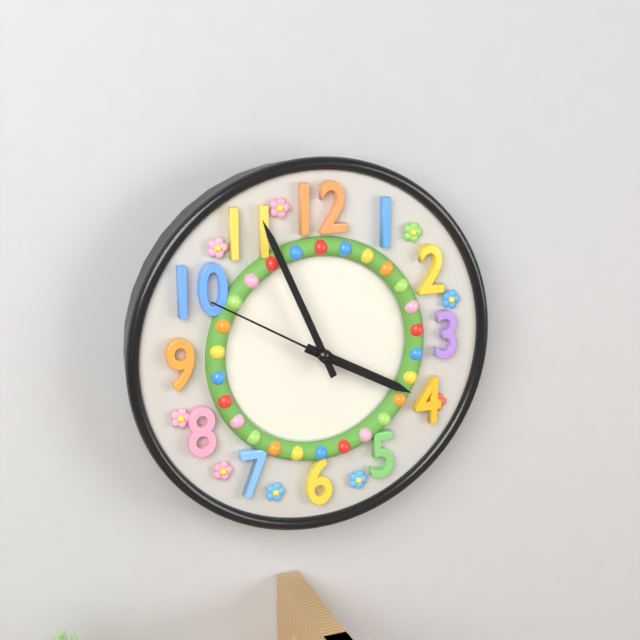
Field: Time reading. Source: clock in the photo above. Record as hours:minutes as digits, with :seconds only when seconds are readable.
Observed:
3:56:50
